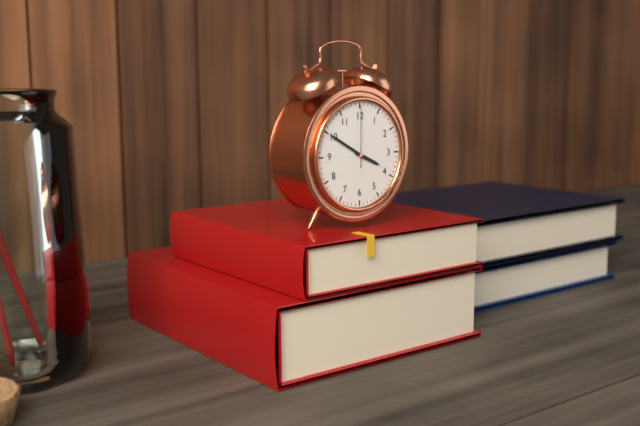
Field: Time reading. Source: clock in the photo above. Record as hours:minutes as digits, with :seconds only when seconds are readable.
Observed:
3:50:00
